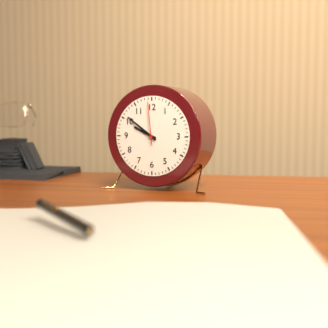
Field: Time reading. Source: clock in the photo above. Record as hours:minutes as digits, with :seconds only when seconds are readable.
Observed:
9:51
